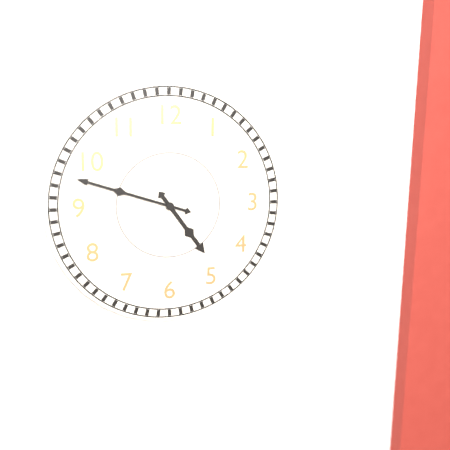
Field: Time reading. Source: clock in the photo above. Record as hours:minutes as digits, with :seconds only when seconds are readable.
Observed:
4:48
